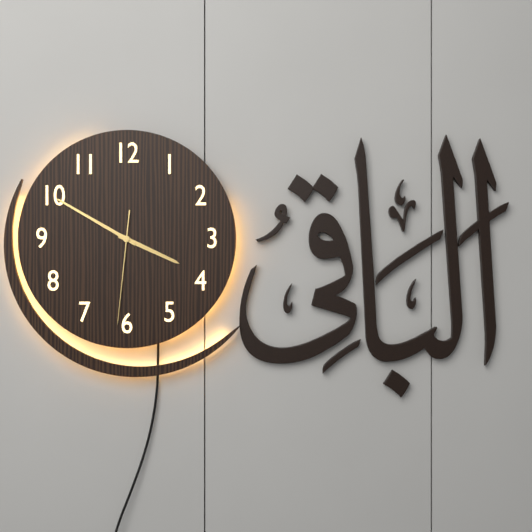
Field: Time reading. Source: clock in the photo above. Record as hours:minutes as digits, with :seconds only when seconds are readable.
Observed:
3:50:31
